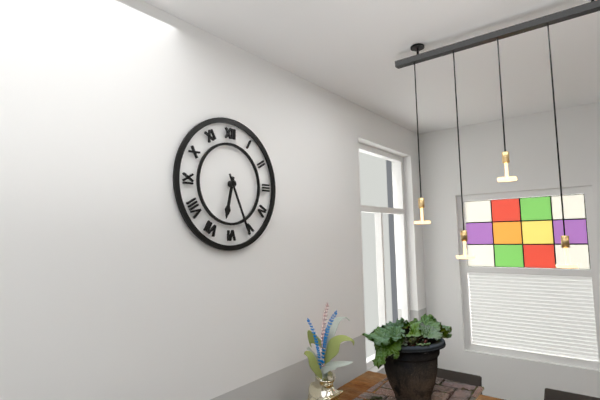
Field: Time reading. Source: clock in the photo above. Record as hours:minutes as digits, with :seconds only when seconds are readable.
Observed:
6:26
